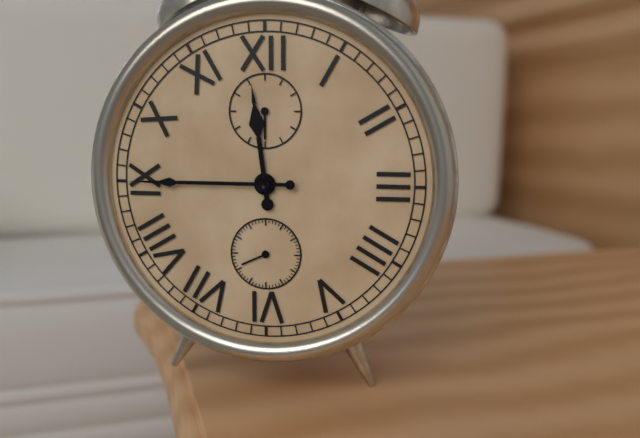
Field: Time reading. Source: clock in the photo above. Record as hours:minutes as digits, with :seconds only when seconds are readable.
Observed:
11:45
